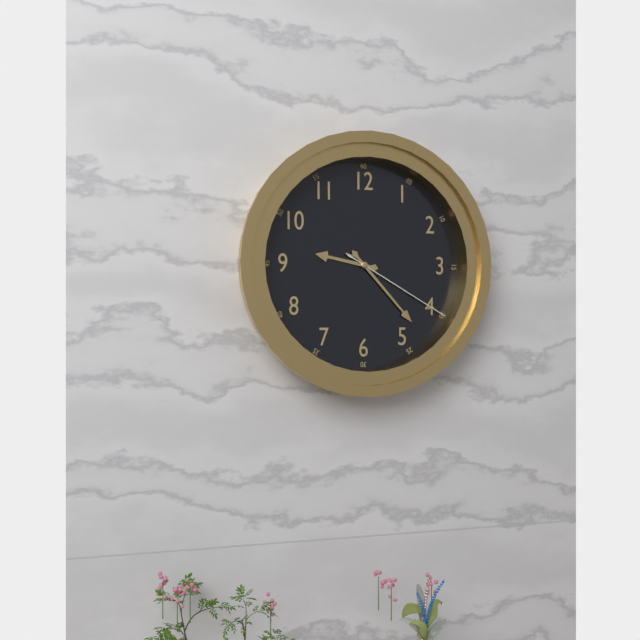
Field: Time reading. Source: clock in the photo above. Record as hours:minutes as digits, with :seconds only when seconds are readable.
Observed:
9:23:20
